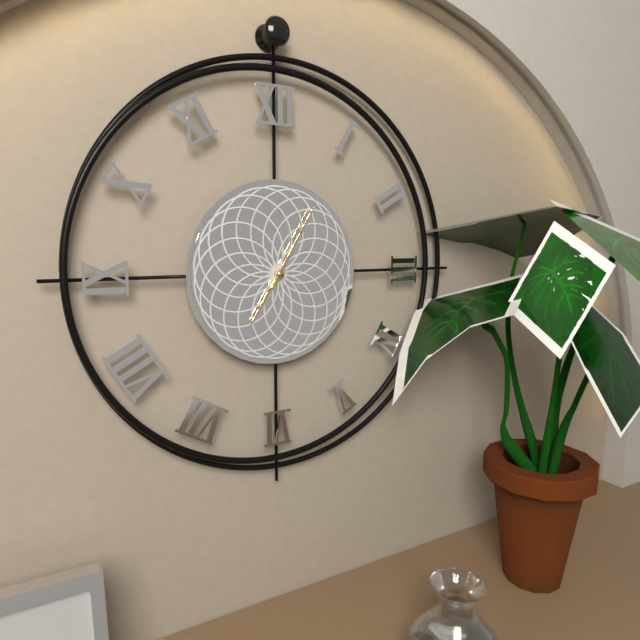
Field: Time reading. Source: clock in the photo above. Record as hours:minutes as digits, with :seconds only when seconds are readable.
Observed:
7:05
